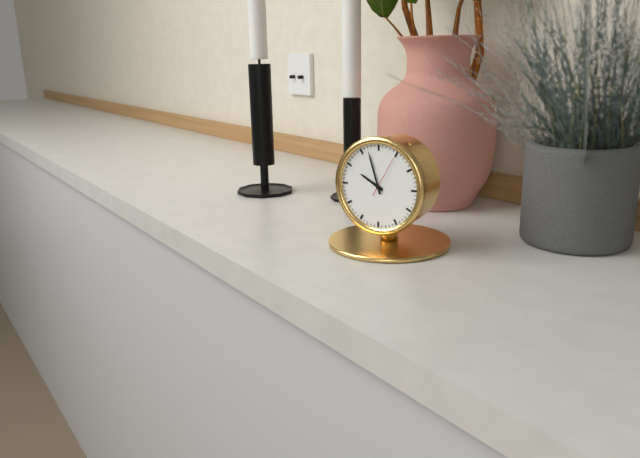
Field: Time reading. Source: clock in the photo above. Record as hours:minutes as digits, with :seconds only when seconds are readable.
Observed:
9:57
